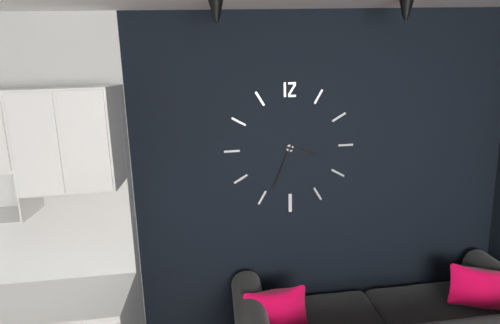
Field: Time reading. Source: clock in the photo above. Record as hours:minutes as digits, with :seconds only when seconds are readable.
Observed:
3:34
